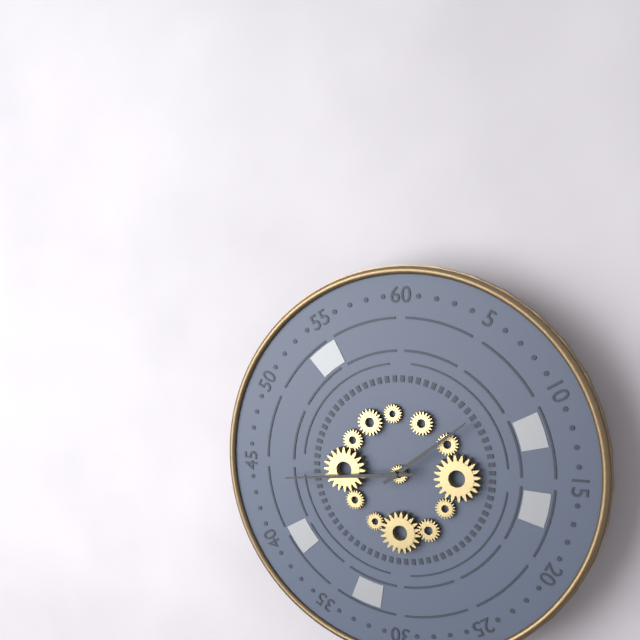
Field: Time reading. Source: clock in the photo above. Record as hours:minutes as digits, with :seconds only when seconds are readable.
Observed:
1:44
